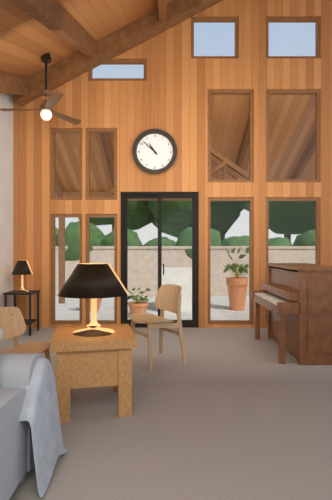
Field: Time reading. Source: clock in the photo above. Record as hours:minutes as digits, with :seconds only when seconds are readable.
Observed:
10:52
